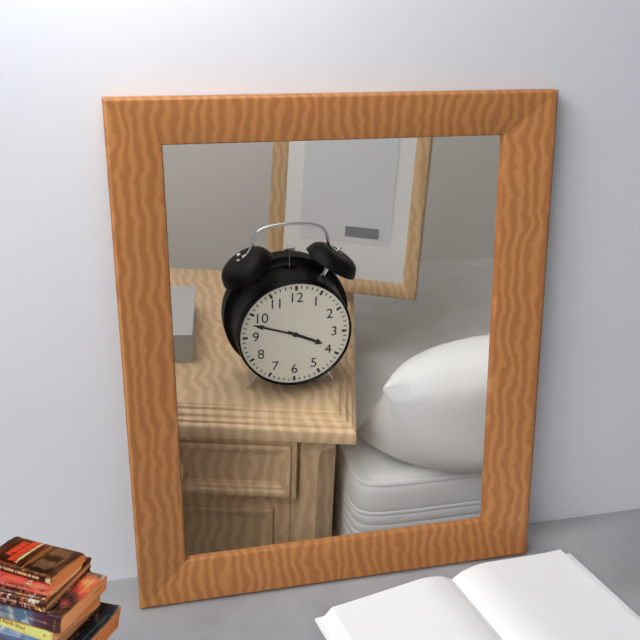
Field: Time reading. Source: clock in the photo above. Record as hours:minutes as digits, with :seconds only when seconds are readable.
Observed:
3:48
